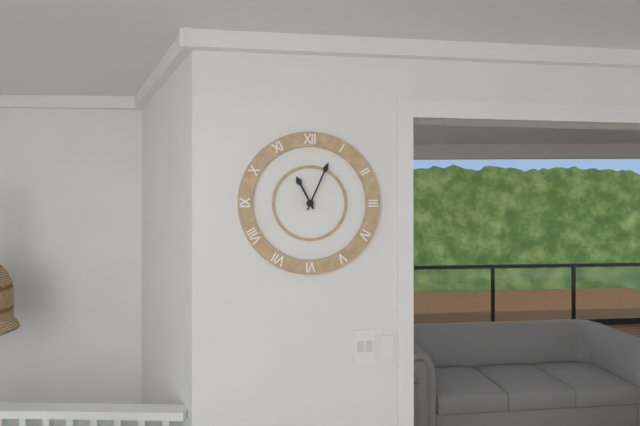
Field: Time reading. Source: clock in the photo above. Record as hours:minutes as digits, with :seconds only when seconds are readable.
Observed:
11:04
